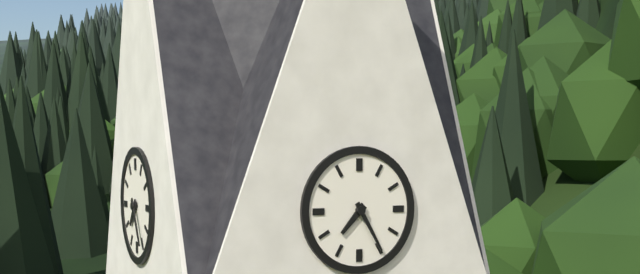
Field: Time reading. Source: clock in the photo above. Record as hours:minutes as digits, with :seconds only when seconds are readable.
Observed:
7:25
